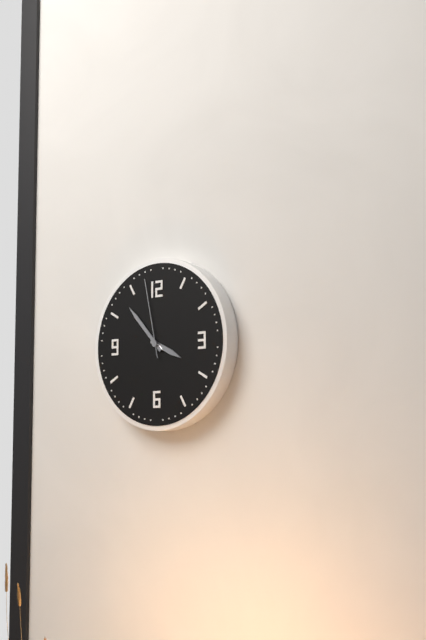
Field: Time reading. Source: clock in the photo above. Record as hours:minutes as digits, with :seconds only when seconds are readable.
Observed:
3:53:58
